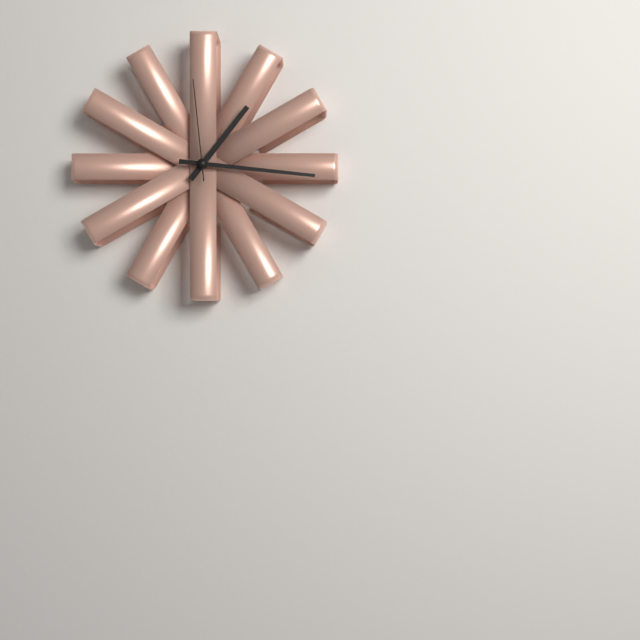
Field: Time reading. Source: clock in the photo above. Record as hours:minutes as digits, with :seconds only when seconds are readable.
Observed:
1:16:59
